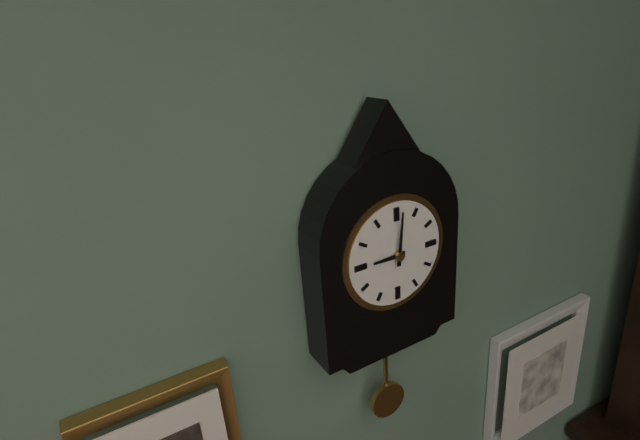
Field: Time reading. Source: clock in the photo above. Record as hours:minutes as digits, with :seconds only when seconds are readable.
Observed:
9:01
